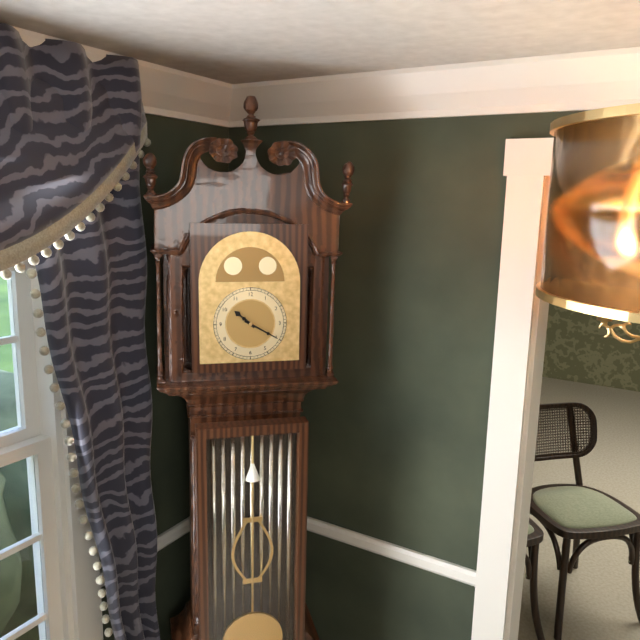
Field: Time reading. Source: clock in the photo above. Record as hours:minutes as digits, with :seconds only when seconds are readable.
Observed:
10:20
